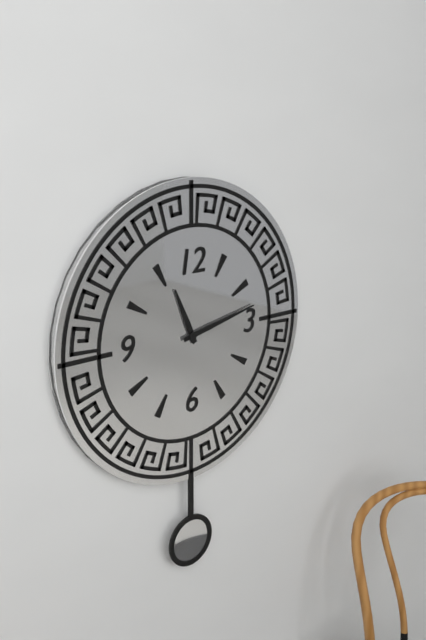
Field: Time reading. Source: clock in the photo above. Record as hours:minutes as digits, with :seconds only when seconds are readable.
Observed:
11:13
